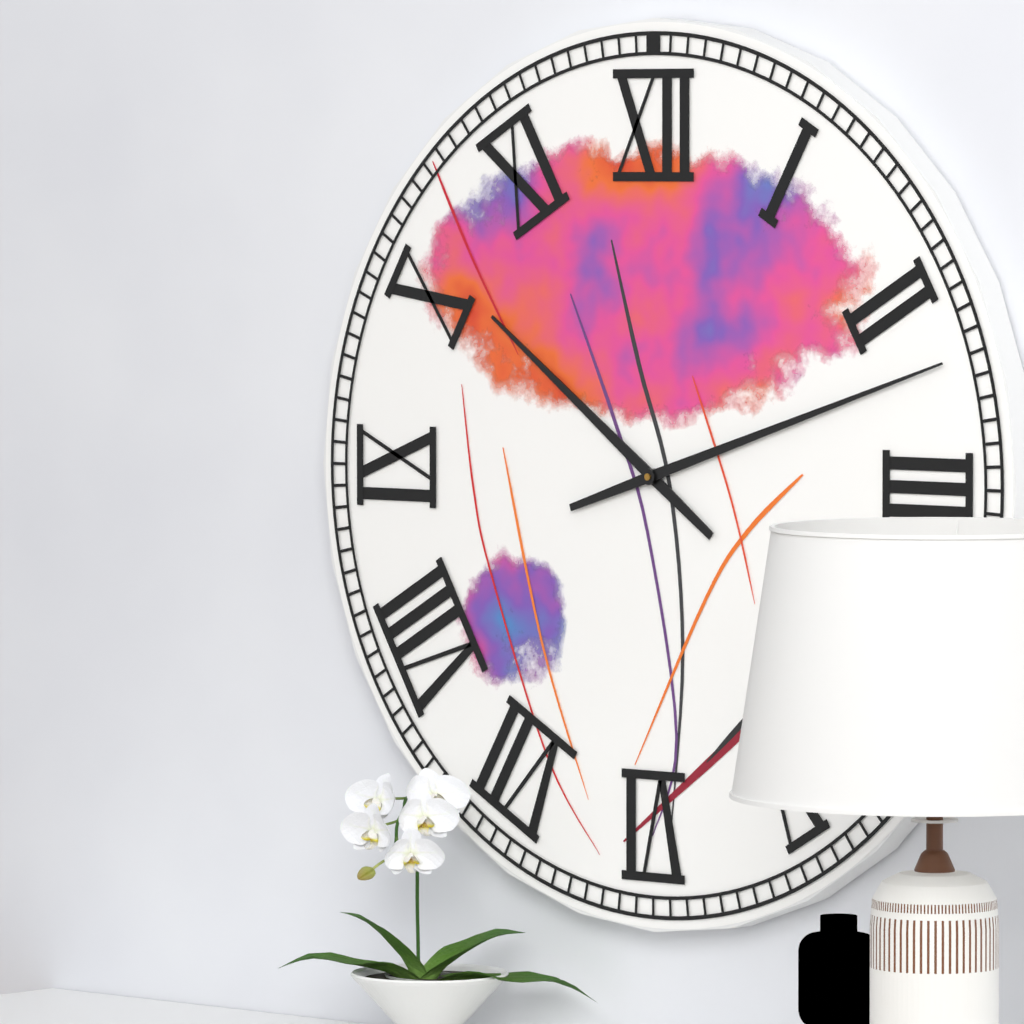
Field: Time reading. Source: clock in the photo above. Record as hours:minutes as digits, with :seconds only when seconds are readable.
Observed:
10:12
